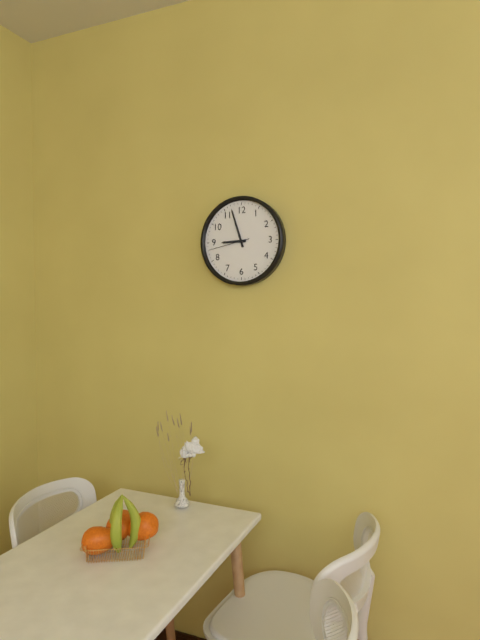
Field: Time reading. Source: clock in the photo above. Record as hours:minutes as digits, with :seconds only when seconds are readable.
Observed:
8:57
